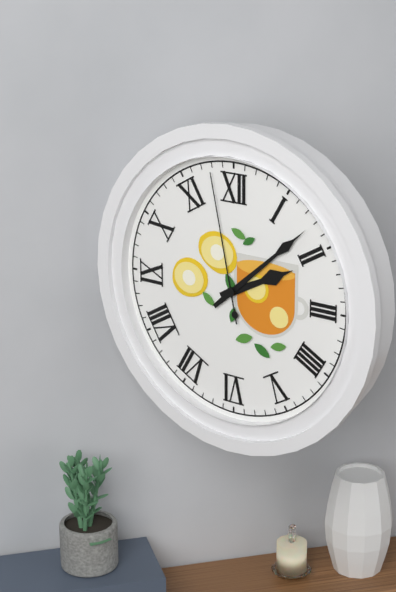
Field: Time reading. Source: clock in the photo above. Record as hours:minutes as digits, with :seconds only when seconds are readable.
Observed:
2:08:58
